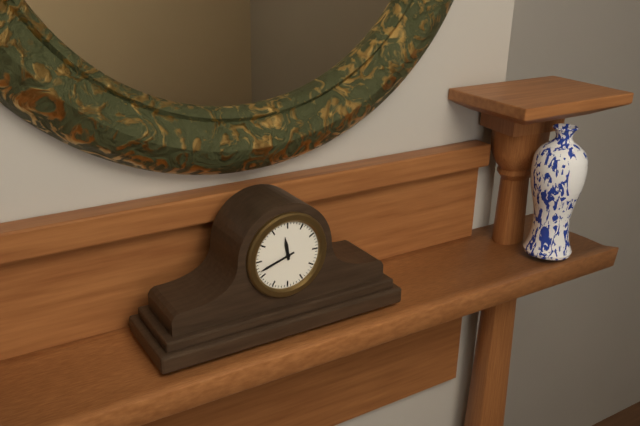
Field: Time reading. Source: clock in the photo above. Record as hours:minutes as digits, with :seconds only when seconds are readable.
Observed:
11:42
